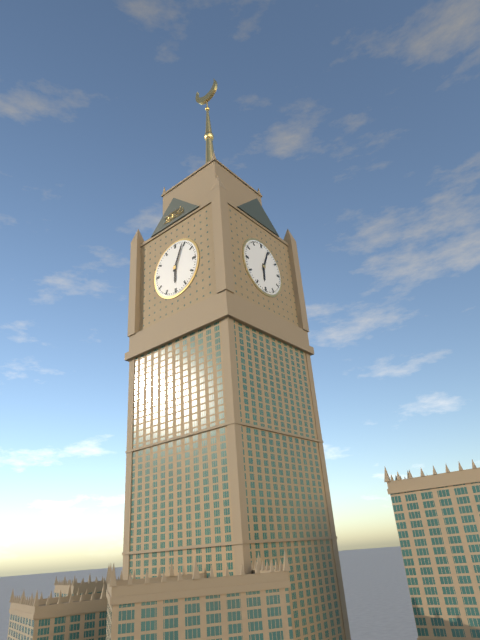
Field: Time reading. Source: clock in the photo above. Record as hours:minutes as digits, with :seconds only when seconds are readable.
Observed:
6:04
